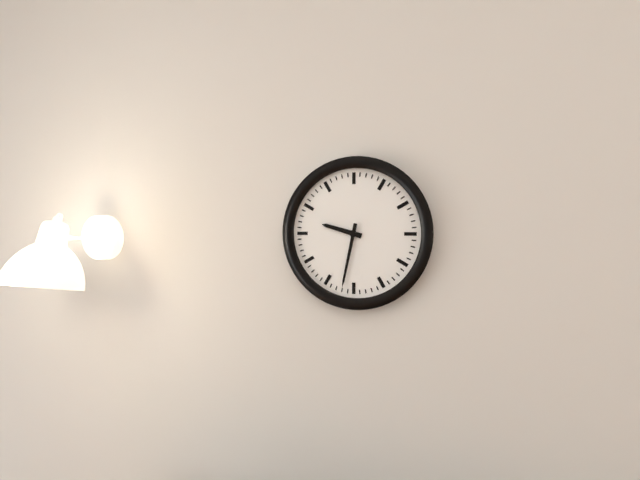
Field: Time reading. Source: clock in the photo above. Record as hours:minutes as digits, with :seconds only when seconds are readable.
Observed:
9:32
